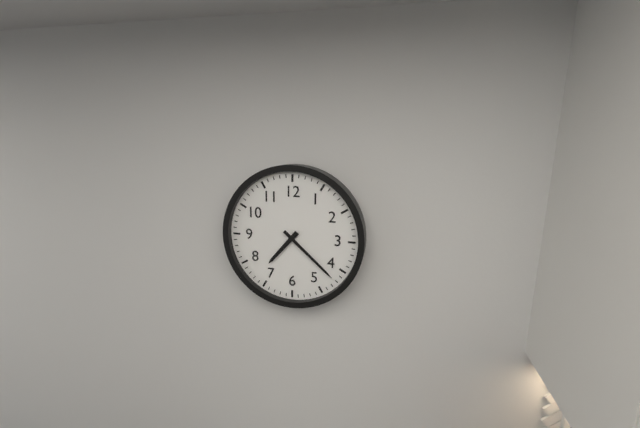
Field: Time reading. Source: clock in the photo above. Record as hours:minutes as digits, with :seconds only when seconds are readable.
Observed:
7:22
